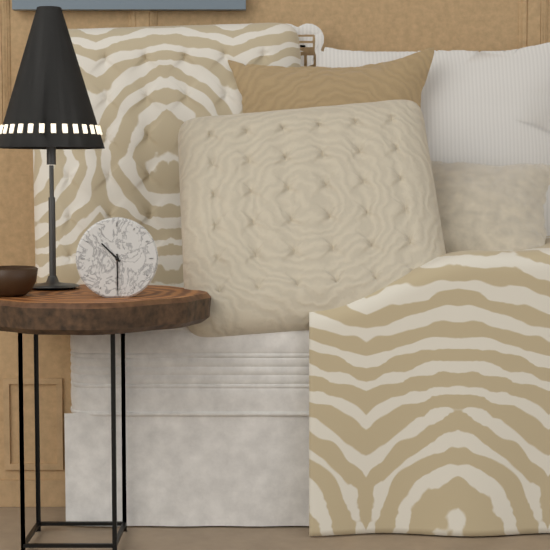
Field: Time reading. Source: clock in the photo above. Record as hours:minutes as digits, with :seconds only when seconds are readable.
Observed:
10:30
